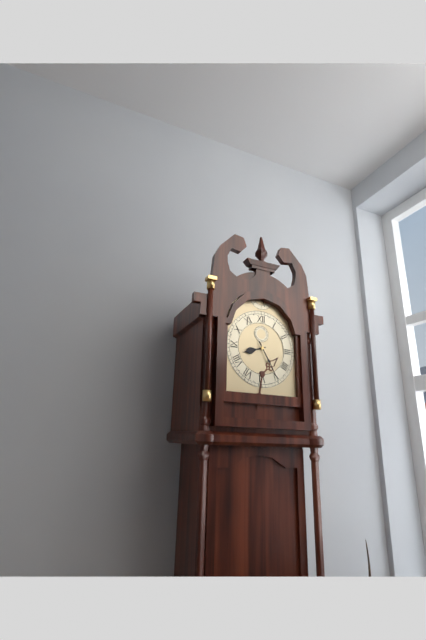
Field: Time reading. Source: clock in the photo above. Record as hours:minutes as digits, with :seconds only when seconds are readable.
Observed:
8:25
